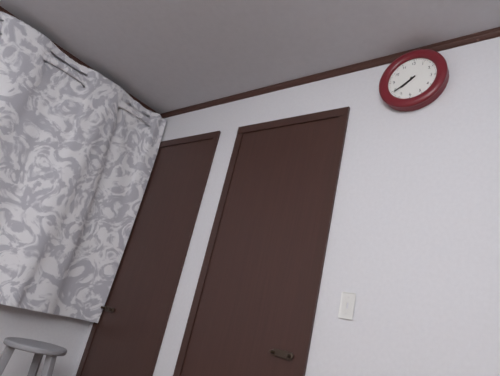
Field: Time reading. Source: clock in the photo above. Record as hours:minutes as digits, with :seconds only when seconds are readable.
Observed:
7:39
